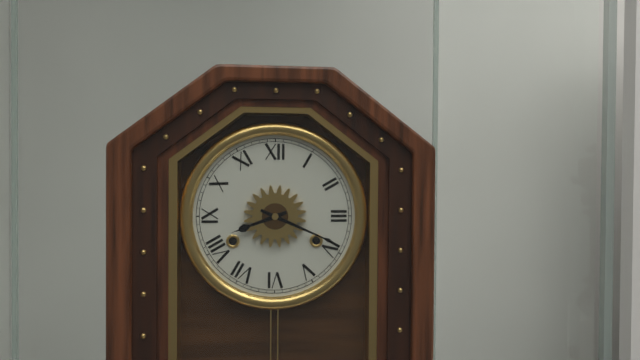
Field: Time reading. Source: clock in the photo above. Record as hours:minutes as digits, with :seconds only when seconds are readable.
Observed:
8:19
